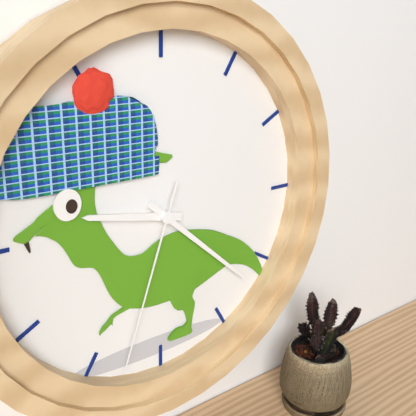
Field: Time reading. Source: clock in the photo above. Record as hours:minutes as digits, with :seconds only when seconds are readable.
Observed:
9:22:33
